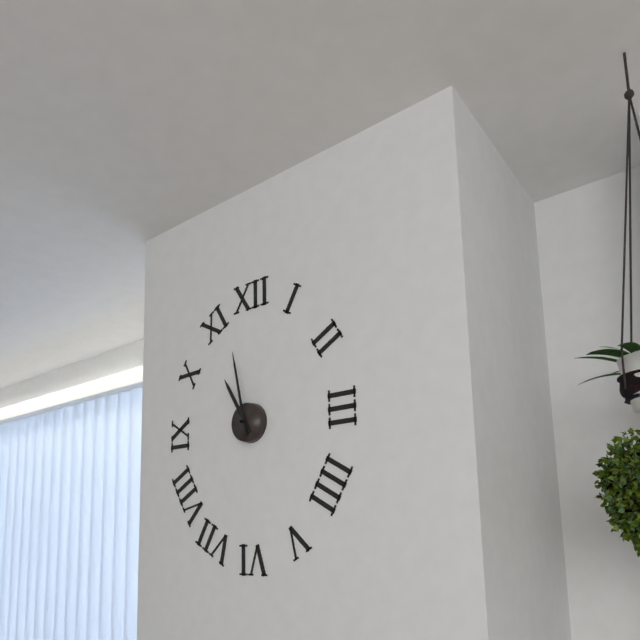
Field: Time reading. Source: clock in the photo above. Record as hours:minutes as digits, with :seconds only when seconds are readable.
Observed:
10:58
